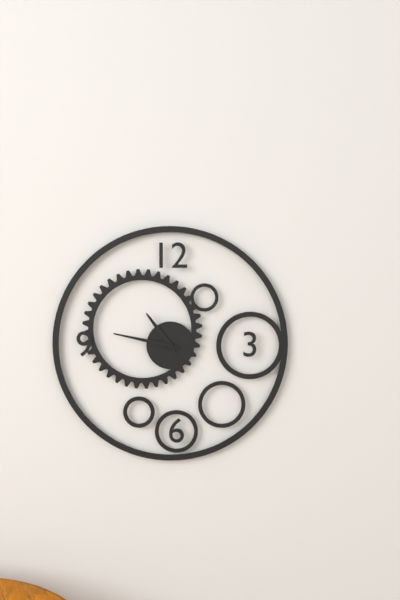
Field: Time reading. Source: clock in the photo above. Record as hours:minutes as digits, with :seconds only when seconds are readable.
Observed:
10:47
